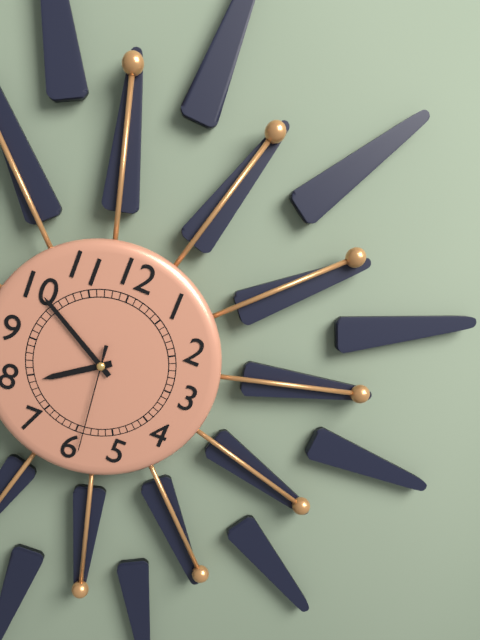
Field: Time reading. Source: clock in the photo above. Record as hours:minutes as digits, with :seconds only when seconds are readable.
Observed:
7:50:29
